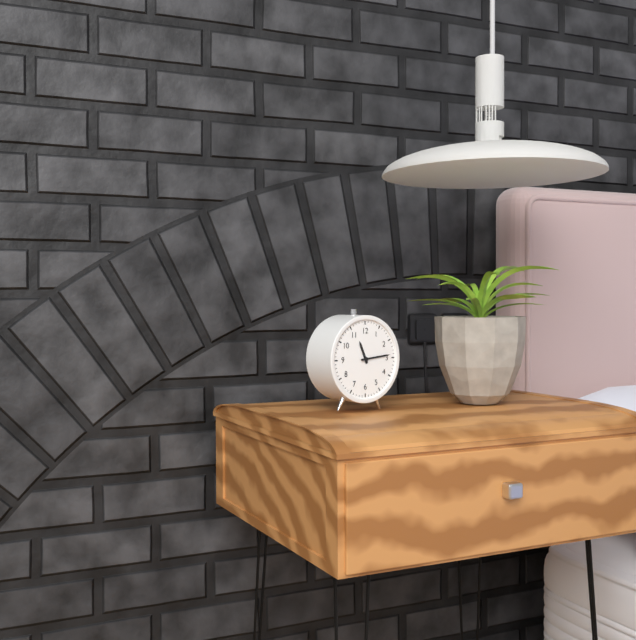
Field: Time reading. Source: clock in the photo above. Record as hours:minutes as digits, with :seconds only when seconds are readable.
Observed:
11:14
